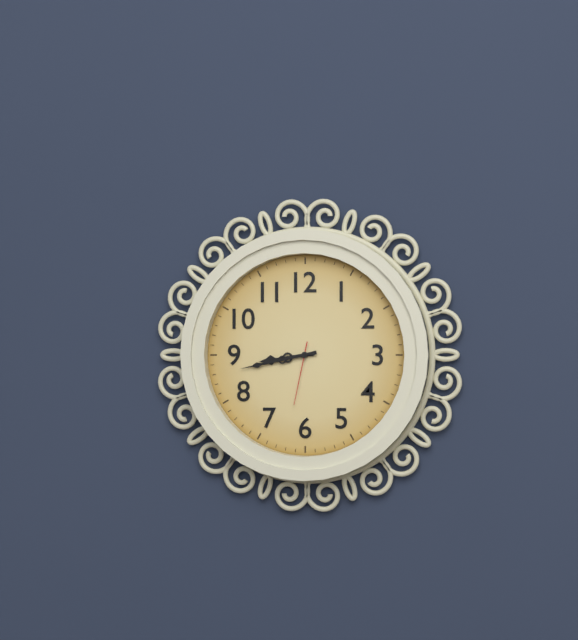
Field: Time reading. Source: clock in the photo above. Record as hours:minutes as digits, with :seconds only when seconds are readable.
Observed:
8:43:32
